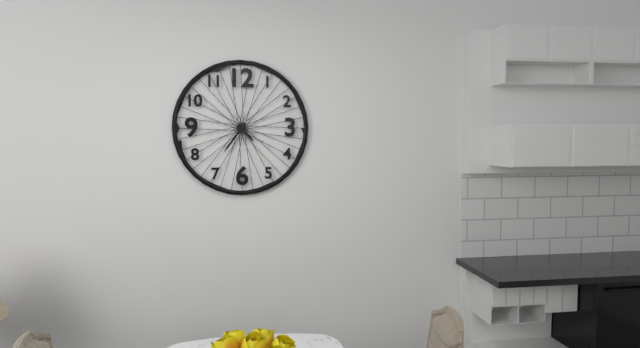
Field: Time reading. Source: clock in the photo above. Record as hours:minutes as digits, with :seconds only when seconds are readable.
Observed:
4:36
